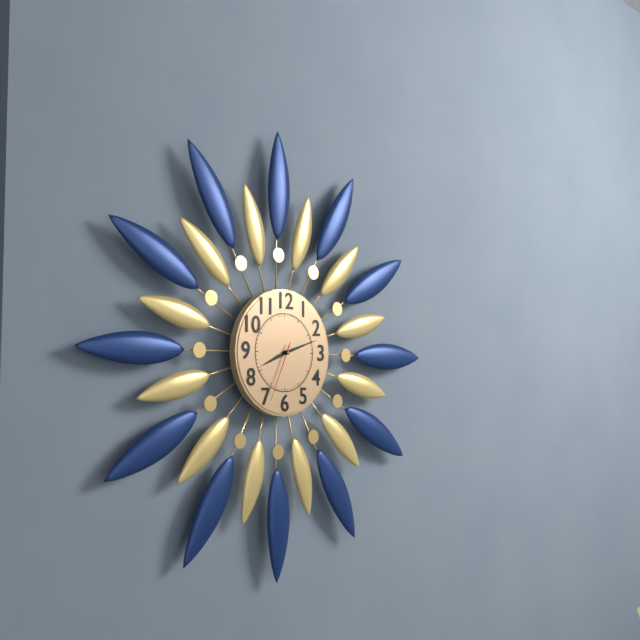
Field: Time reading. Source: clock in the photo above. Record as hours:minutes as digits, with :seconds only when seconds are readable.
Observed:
8:12:34
